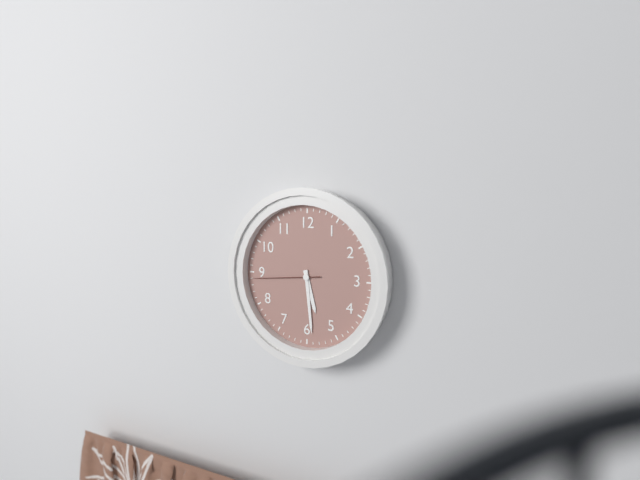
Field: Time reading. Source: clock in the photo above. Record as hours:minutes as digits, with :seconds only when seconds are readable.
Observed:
5:29:44
